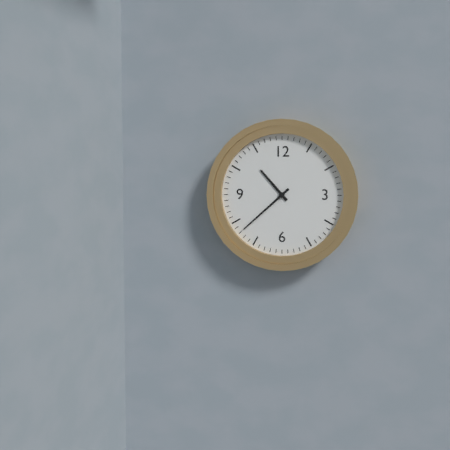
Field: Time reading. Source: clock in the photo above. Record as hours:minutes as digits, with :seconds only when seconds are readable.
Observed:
10:38
